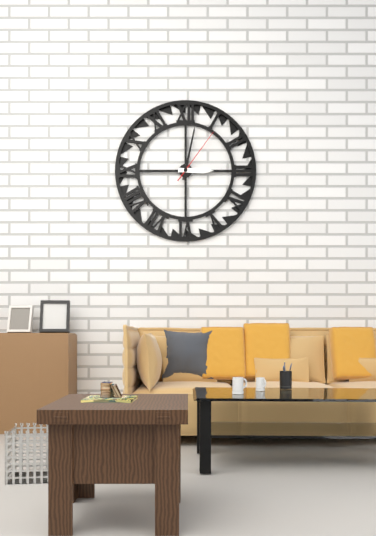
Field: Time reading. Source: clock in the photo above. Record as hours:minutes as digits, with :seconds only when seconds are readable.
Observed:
3:02:06
